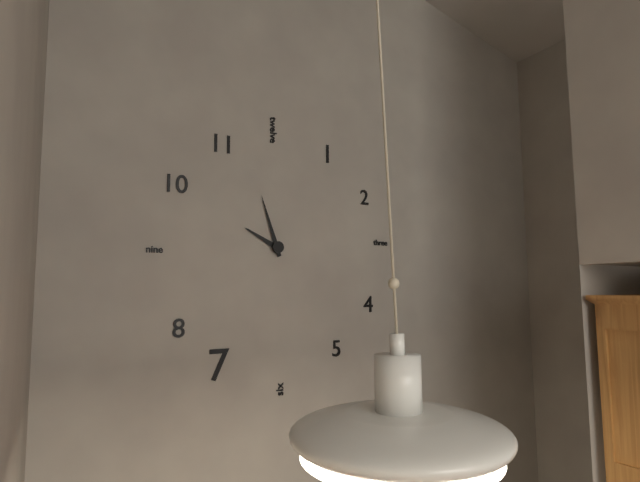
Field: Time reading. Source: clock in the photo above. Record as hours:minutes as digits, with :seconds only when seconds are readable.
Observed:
9:57
